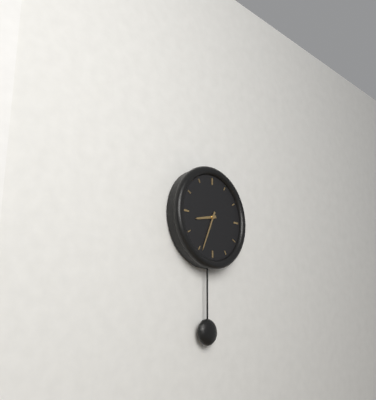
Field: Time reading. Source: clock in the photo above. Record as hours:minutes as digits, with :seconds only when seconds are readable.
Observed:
8:34
